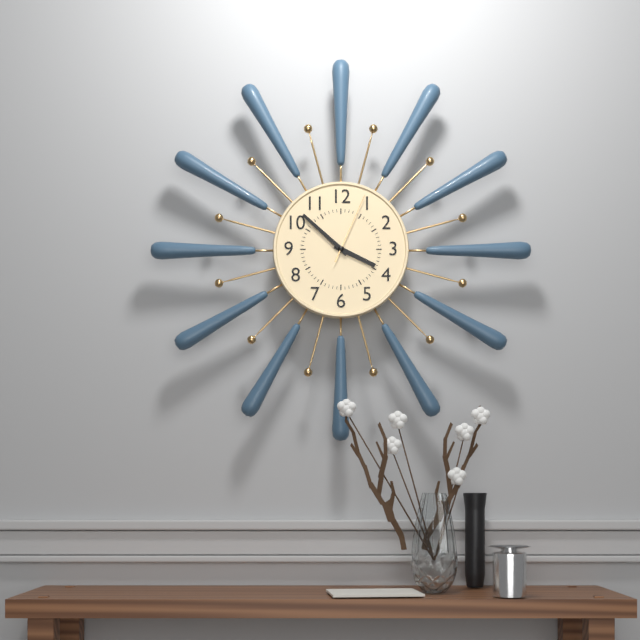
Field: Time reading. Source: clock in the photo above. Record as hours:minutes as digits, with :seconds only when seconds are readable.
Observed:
3:52:04
